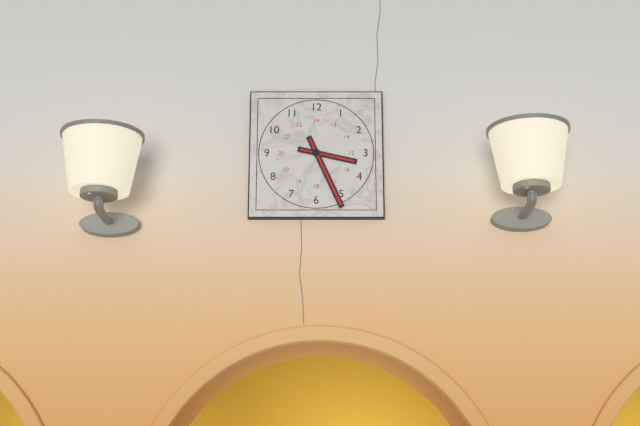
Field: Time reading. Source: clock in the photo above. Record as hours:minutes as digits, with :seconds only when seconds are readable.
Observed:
3:26
